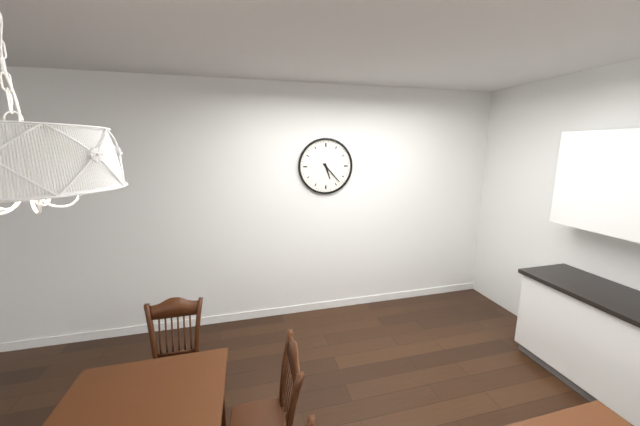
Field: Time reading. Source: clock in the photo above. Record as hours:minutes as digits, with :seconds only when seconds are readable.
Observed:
5:23
